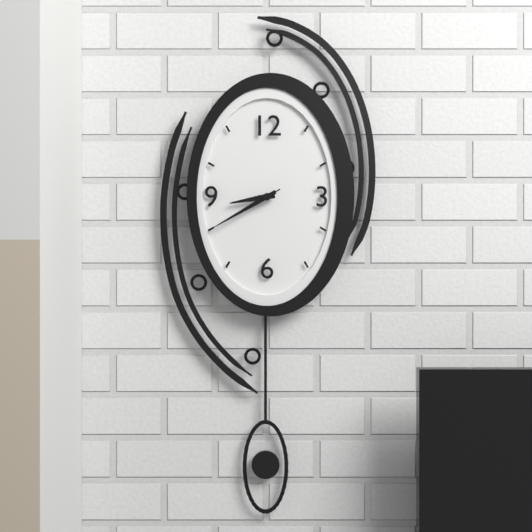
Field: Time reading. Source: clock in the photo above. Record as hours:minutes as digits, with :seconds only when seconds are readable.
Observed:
8:40:40
